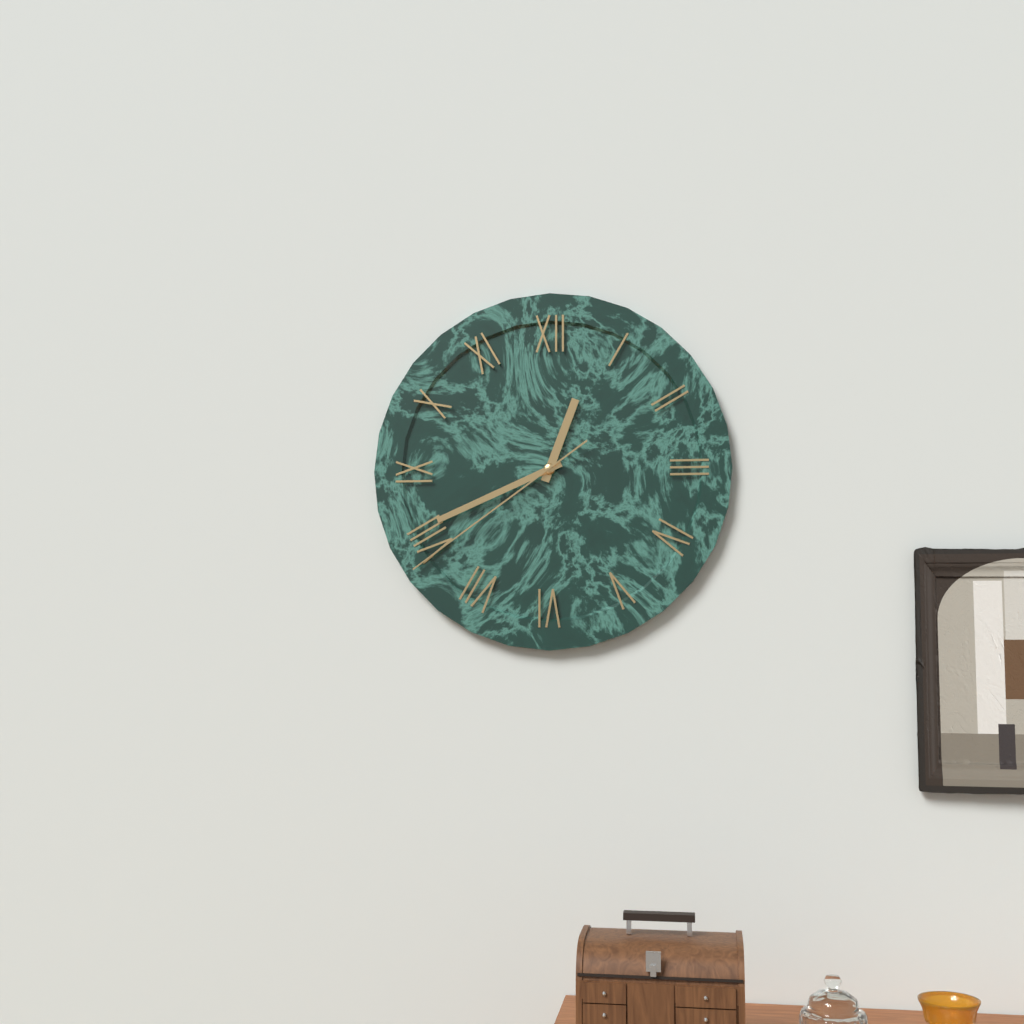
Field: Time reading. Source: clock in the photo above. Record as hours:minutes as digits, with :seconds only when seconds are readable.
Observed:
12:41:39
